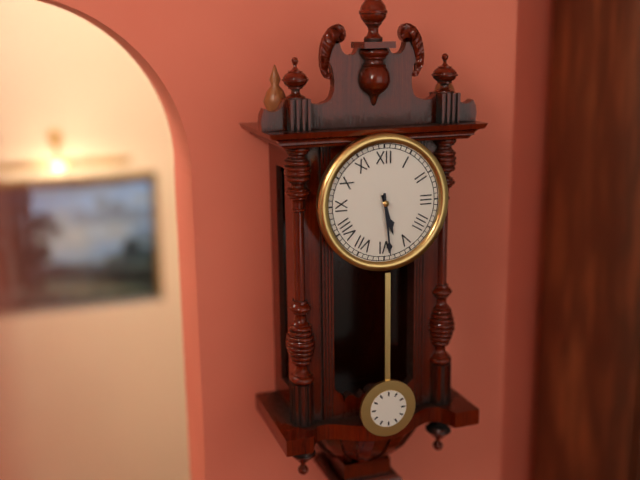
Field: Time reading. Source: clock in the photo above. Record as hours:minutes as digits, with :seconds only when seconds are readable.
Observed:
5:29
